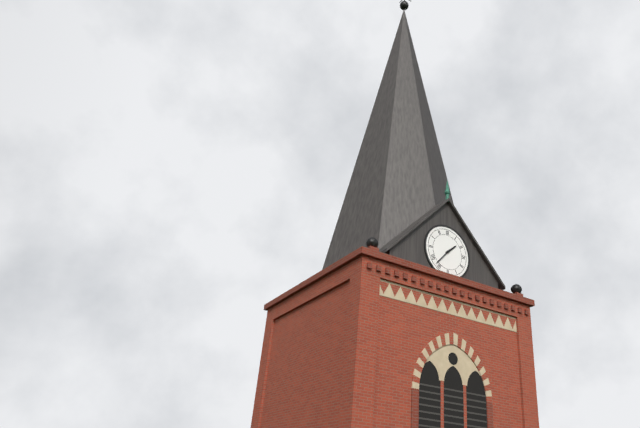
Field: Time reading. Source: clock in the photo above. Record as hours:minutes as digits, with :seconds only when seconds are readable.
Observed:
1:37
